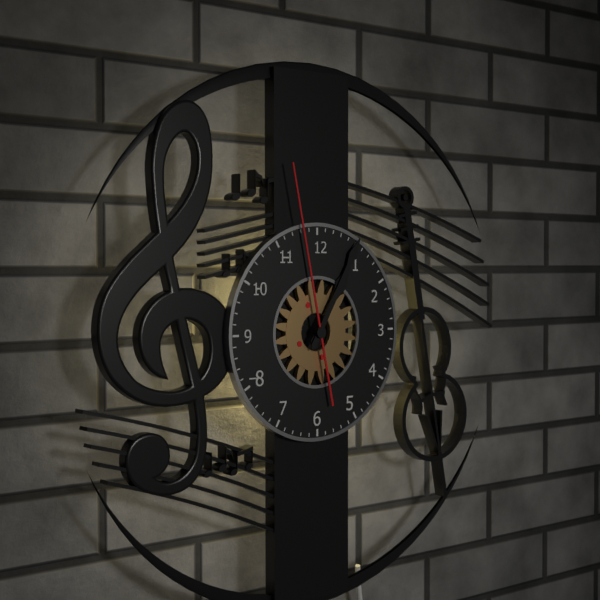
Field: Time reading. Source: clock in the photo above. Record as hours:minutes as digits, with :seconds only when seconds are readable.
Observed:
1:05:58
